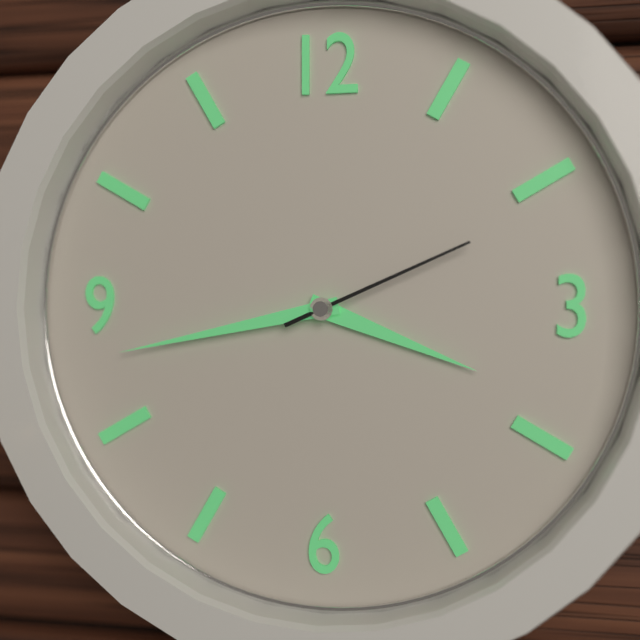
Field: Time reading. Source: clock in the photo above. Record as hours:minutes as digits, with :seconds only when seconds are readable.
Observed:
3:43:11
